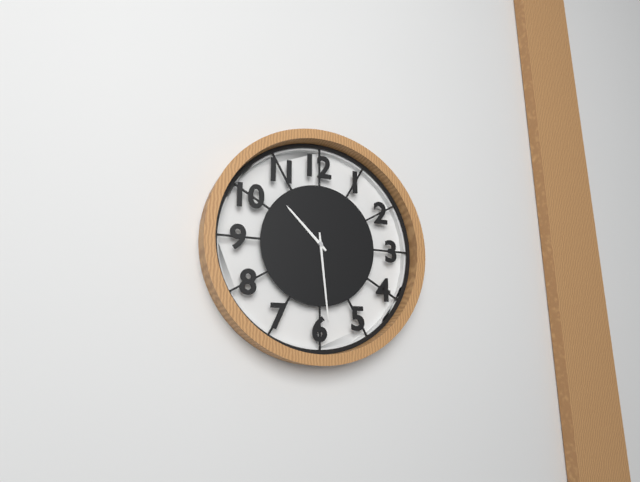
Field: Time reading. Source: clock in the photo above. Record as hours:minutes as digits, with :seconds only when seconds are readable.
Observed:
10:29
